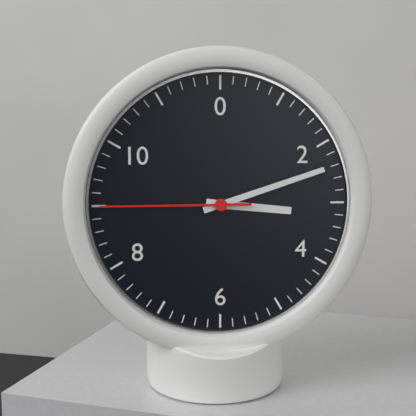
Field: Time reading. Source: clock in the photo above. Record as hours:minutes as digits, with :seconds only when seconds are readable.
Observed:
3:12:45
